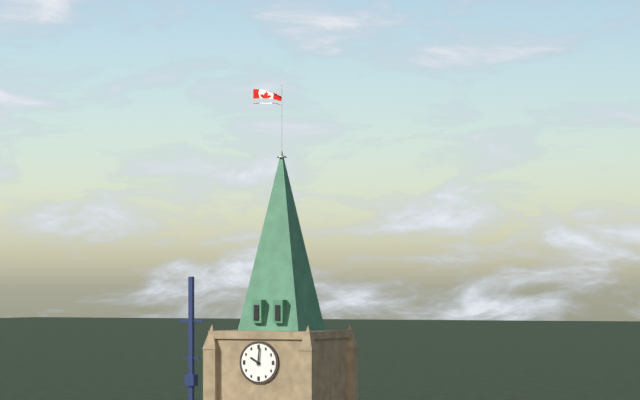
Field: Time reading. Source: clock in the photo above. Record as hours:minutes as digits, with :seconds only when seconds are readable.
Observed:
10:01
